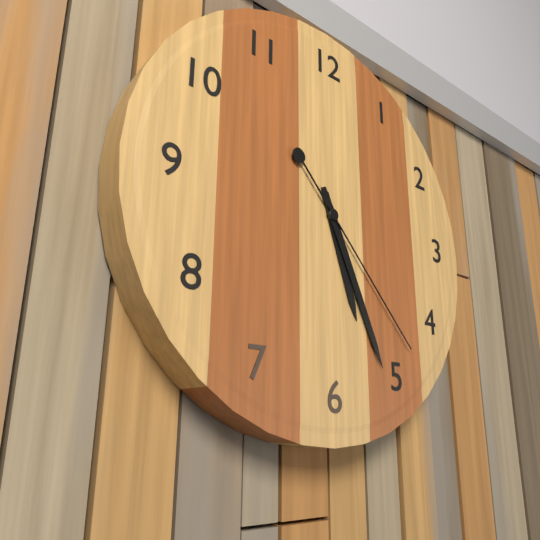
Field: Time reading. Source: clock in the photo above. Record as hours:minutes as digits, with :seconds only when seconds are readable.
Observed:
5:26:23
